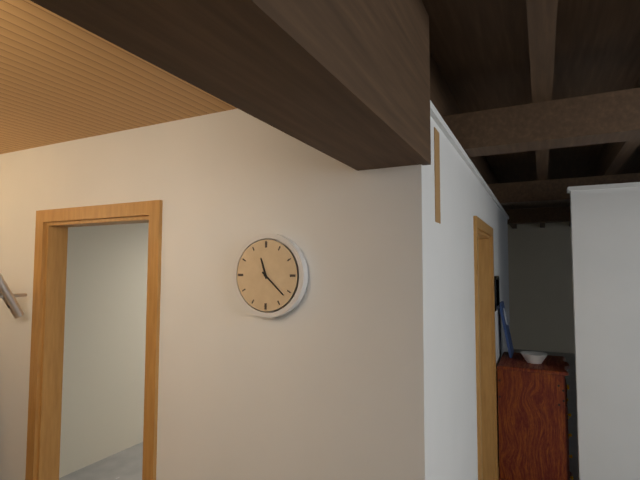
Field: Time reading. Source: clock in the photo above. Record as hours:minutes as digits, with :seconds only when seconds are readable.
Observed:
11:22
